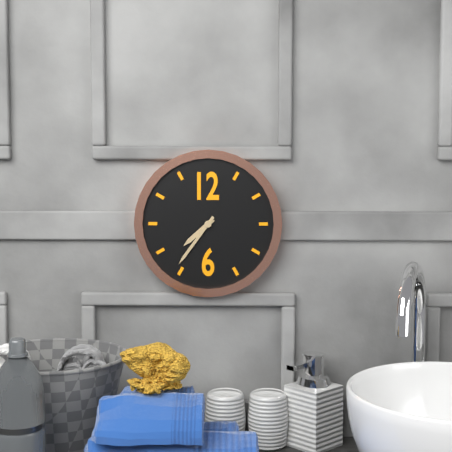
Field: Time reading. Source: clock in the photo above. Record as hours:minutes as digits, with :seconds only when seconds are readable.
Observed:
7:36
